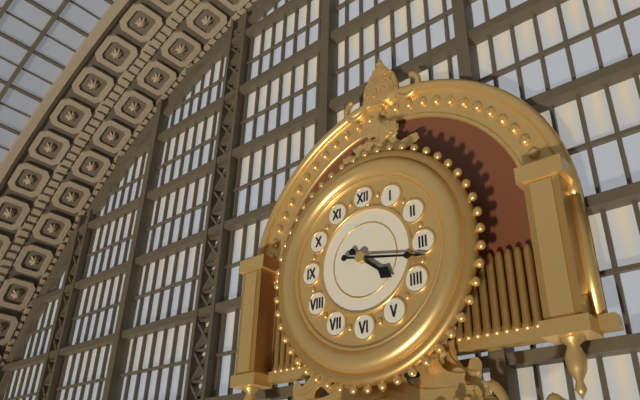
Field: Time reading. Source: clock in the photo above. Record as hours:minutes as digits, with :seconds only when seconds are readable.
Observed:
4:17
